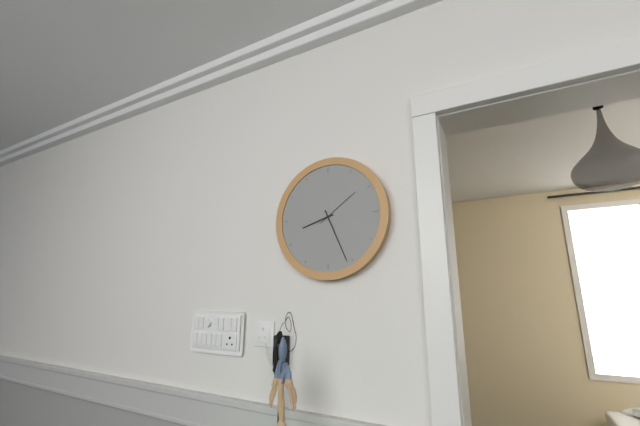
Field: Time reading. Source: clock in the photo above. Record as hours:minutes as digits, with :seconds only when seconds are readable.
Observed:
8:26
